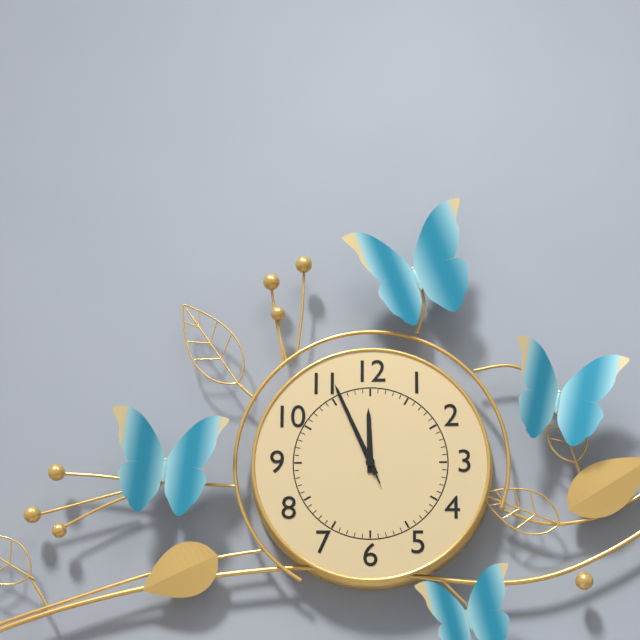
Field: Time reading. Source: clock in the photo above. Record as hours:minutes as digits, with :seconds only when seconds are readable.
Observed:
11:56:56
